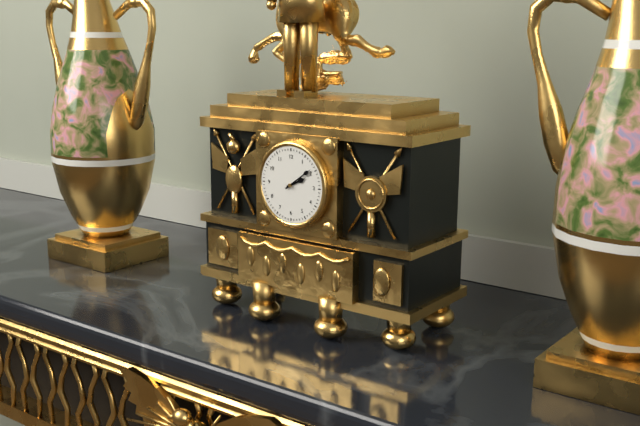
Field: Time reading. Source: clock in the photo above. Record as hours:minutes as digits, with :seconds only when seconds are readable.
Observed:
2:09
